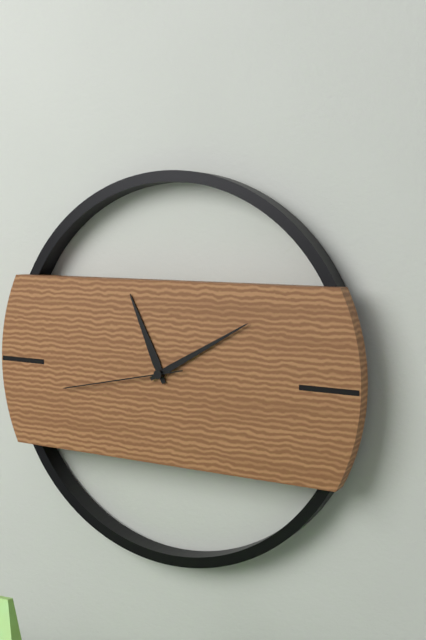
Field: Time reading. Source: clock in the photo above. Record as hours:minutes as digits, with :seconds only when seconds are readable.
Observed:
11:10:43
